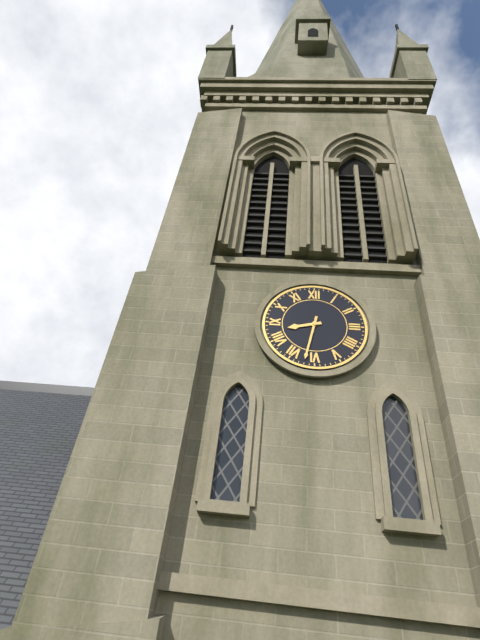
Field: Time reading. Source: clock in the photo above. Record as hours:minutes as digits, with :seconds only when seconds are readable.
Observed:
8:32
